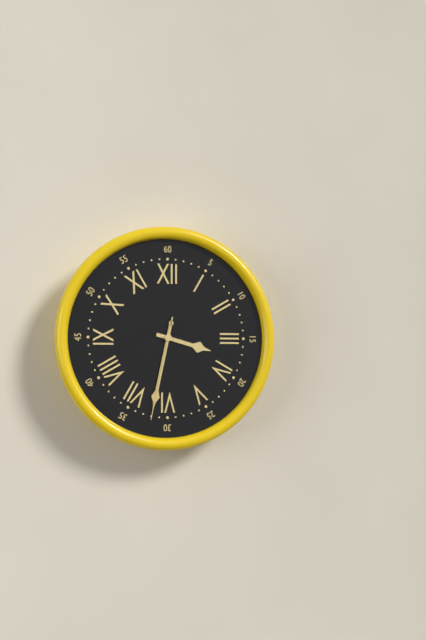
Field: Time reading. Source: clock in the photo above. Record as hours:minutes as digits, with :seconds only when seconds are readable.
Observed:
3:32:32
